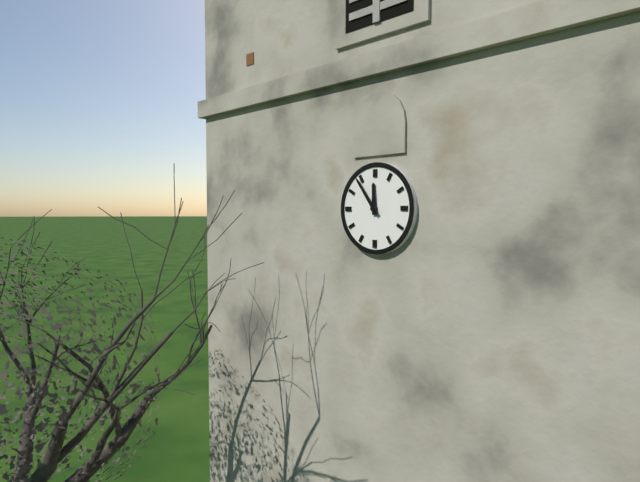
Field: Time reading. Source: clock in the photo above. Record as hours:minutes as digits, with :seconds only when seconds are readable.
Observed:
11:54
